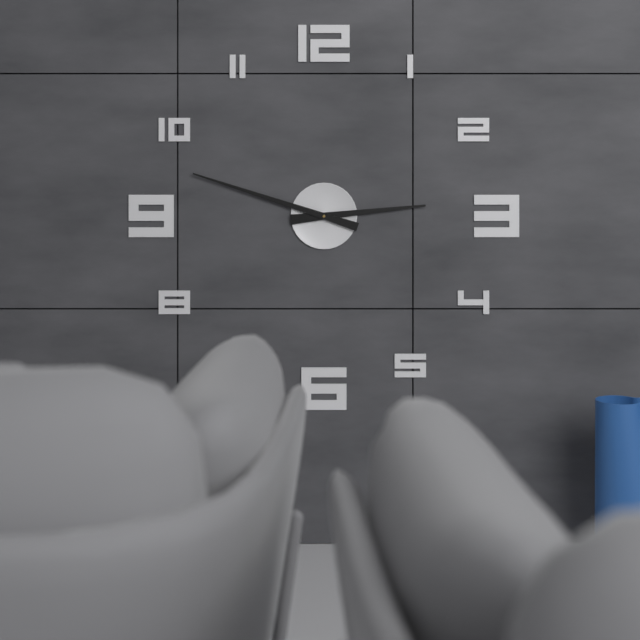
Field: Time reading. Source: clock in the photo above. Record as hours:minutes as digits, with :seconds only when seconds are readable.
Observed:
2:48
